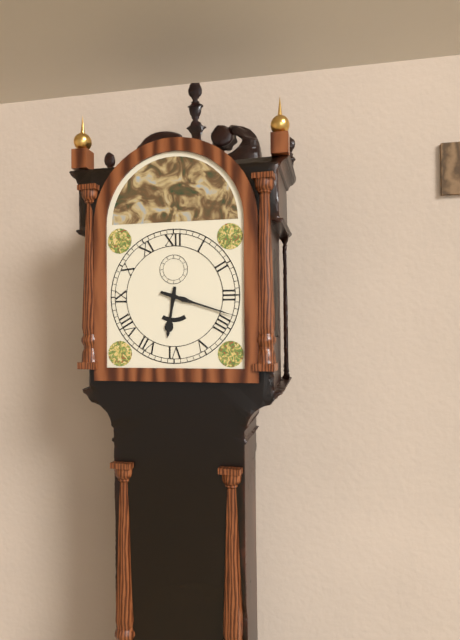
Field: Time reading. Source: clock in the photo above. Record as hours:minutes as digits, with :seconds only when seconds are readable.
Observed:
6:18
